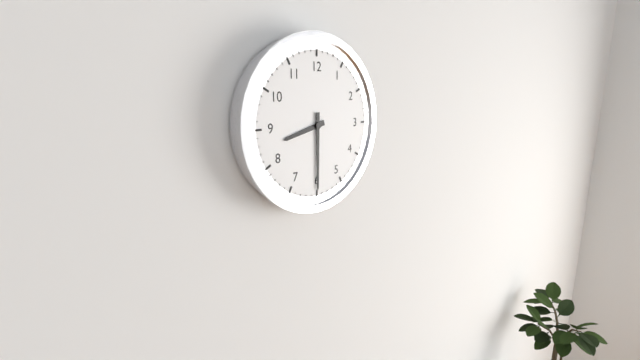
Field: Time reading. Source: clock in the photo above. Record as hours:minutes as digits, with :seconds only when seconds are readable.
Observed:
8:30
